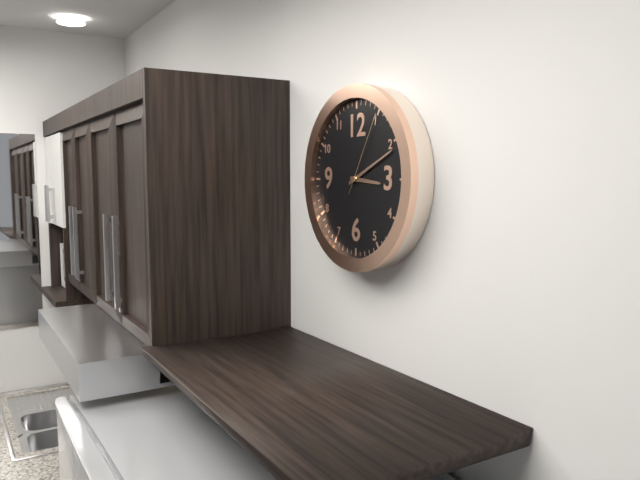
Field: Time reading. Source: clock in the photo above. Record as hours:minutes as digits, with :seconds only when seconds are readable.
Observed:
3:11:05
